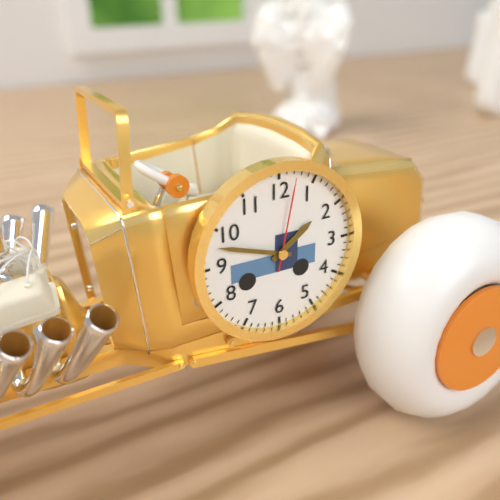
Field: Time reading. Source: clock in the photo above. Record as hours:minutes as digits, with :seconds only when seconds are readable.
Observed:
1:48:02
